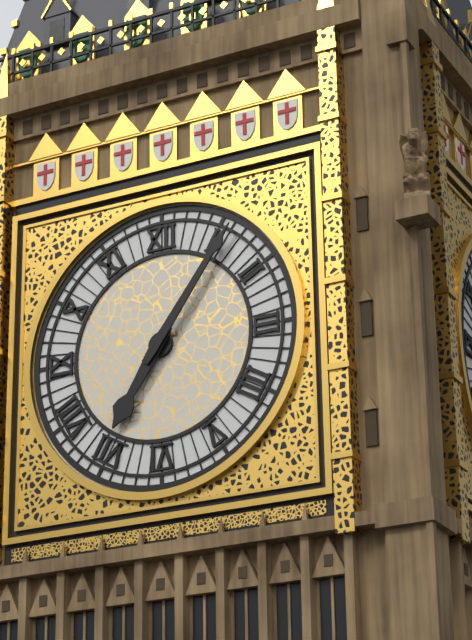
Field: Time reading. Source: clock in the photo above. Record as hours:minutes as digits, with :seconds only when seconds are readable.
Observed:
7:06
